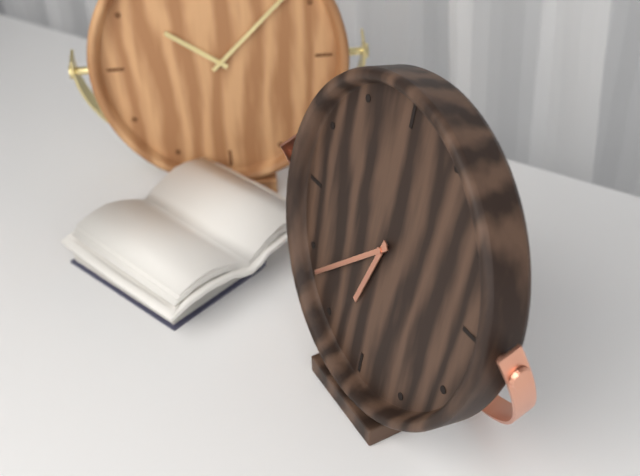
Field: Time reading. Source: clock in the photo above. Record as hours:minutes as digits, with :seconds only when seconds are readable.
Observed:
6:38
